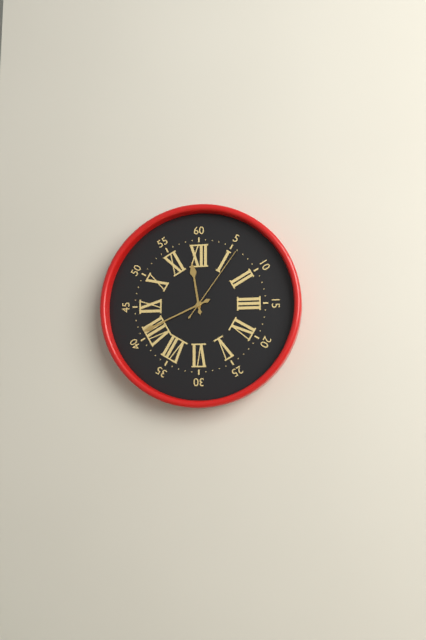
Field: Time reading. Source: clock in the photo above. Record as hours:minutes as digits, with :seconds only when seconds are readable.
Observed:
11:41:06
